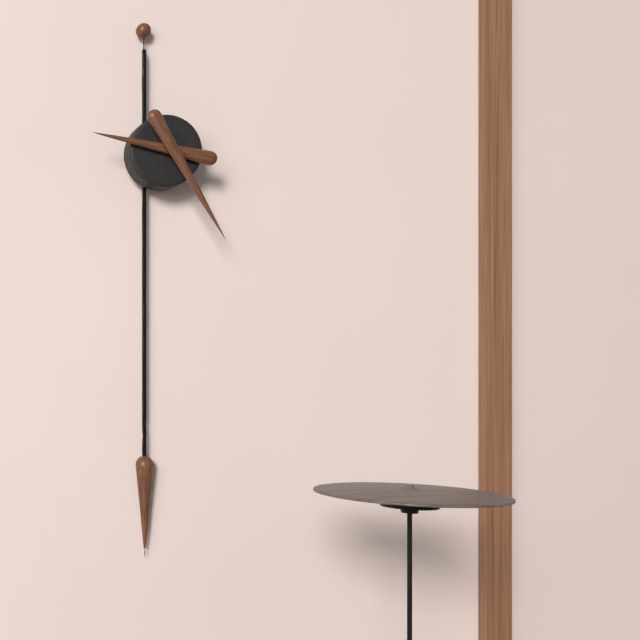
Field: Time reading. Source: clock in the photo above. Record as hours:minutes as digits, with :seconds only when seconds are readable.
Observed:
9:25
